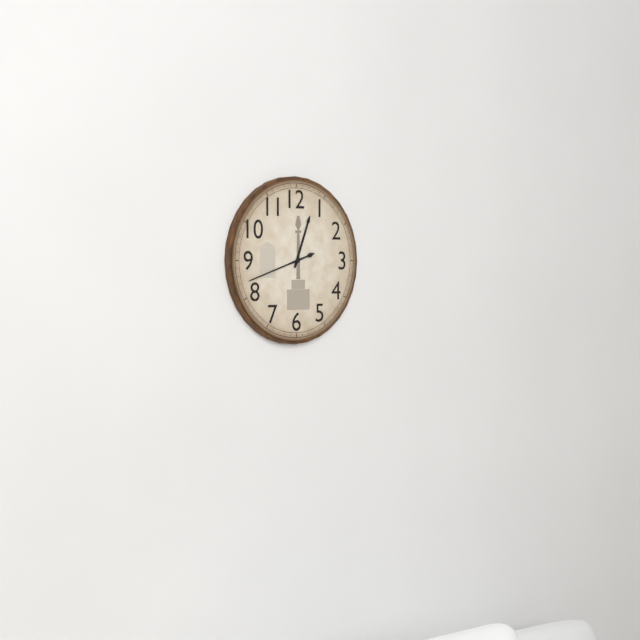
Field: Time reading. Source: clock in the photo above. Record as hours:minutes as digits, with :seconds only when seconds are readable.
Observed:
12:42
